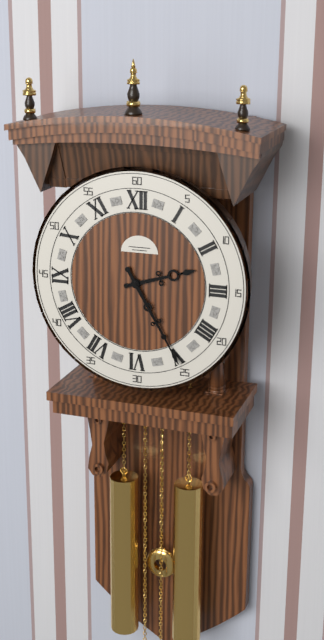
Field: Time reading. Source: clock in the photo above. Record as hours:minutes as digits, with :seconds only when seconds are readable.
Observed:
2:25
